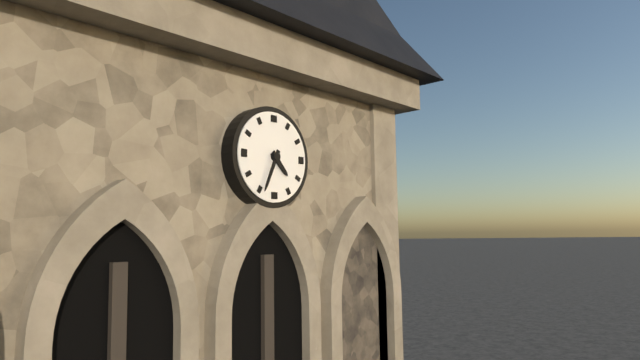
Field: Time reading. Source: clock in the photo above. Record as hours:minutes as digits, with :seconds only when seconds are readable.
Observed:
4:34
